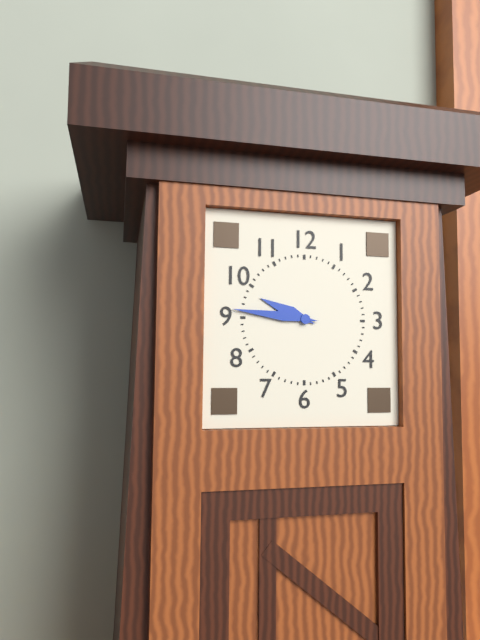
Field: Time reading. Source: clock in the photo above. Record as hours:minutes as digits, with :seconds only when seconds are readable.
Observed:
9:46
